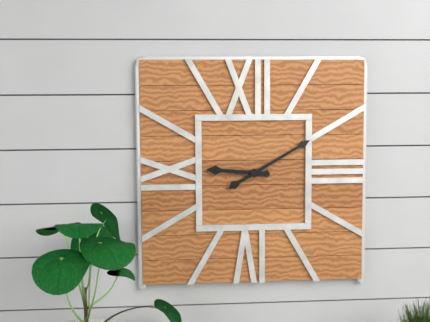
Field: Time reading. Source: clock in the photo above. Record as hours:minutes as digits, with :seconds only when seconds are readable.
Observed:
9:10
